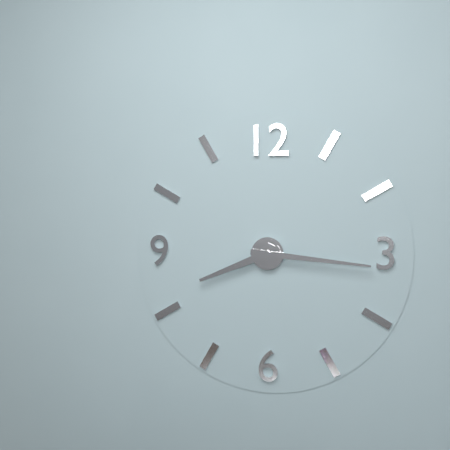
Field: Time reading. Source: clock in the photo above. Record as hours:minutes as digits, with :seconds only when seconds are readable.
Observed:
8:16
